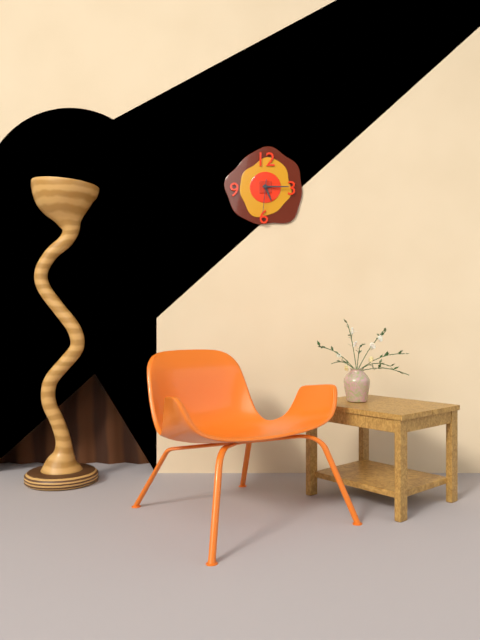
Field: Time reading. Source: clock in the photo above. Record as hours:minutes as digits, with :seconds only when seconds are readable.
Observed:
5:15
